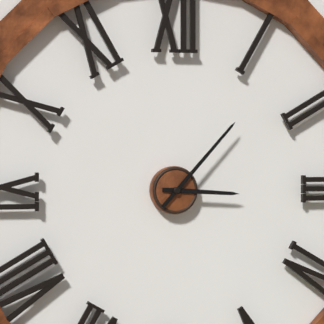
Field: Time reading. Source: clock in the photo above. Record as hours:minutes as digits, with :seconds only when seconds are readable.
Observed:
3:07
